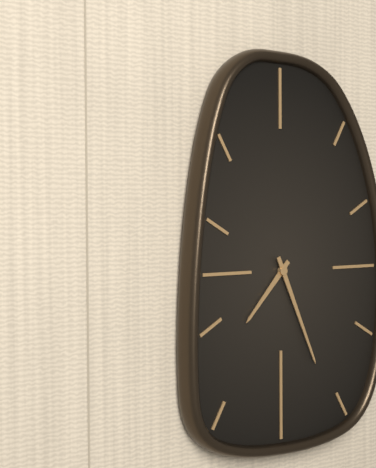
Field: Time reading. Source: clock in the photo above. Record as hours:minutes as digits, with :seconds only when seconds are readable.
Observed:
7:26
